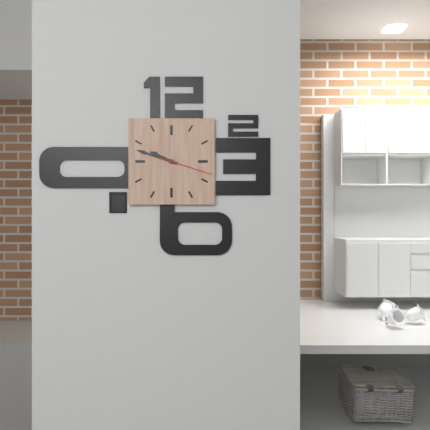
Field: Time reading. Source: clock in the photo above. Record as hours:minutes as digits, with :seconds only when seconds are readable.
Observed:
9:48:18
